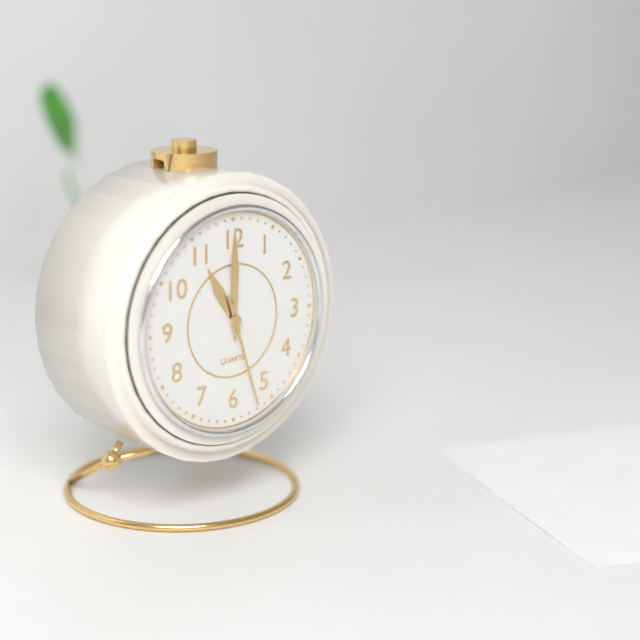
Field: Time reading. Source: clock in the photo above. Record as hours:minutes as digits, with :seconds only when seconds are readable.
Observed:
11:00:27
